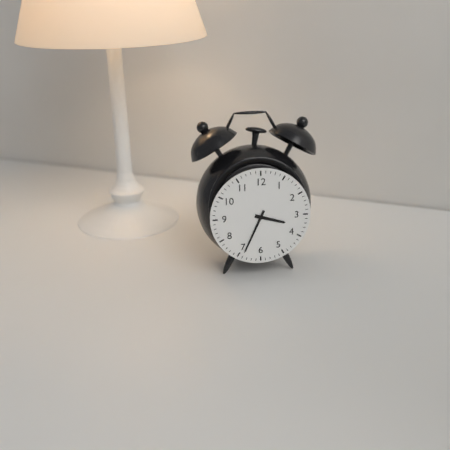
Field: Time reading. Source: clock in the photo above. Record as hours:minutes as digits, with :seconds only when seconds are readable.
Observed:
3:34
